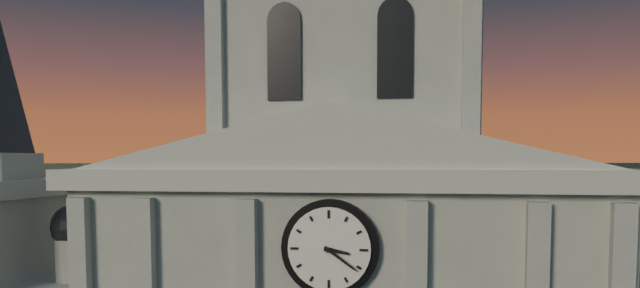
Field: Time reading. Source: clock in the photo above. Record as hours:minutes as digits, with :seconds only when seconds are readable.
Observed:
3:21
